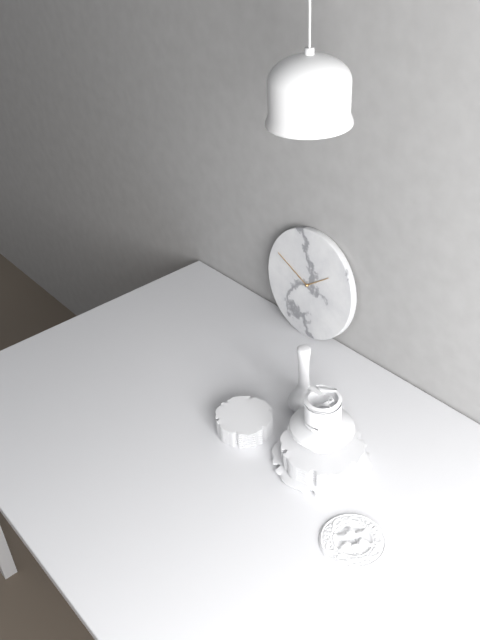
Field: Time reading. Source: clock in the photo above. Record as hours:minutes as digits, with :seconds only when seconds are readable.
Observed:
1:49
